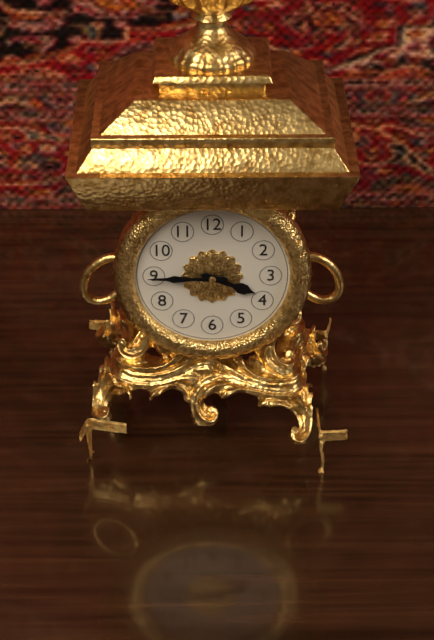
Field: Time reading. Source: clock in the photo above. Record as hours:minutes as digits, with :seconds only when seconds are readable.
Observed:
3:45
